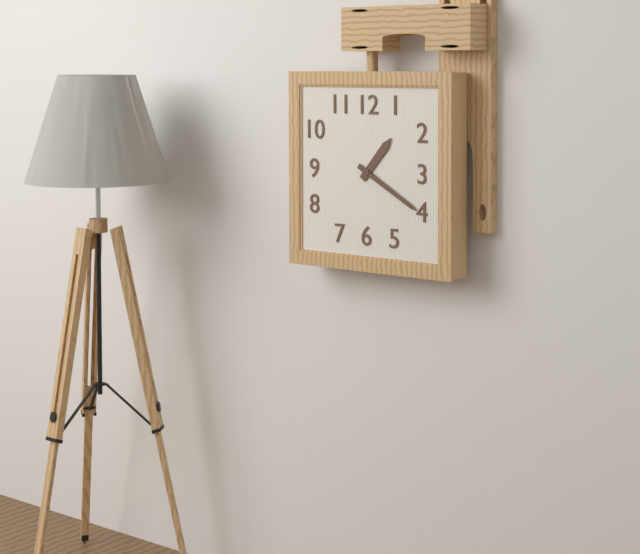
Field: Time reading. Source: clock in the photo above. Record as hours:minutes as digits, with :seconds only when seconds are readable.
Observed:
1:20
